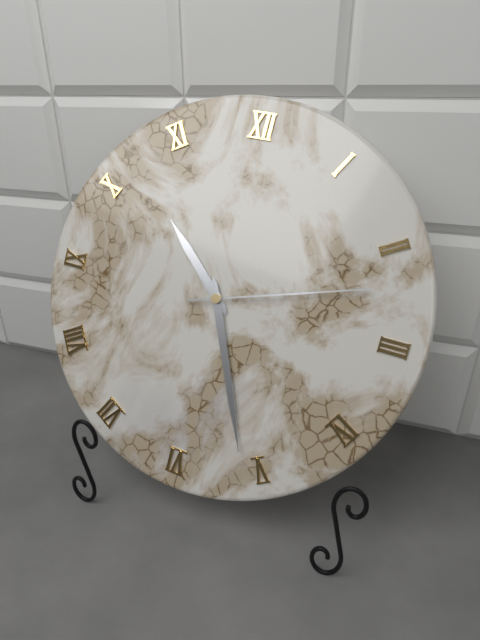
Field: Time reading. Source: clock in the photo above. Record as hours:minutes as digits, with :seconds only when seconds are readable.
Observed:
10:26:12
